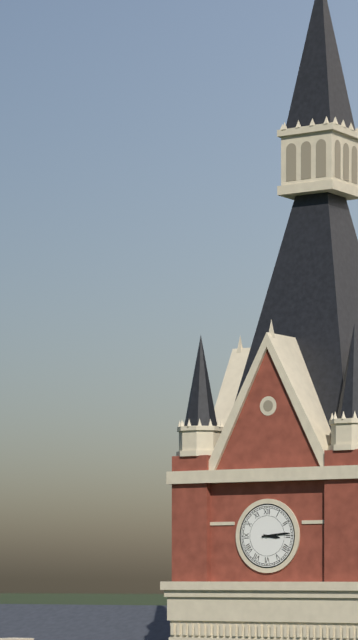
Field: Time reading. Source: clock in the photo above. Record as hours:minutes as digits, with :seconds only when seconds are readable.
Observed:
3:14
